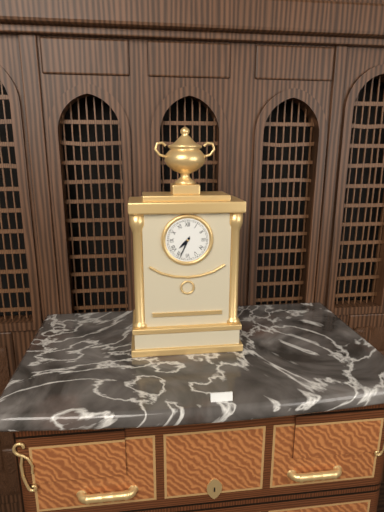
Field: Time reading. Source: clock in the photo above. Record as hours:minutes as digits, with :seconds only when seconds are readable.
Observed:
7:34
